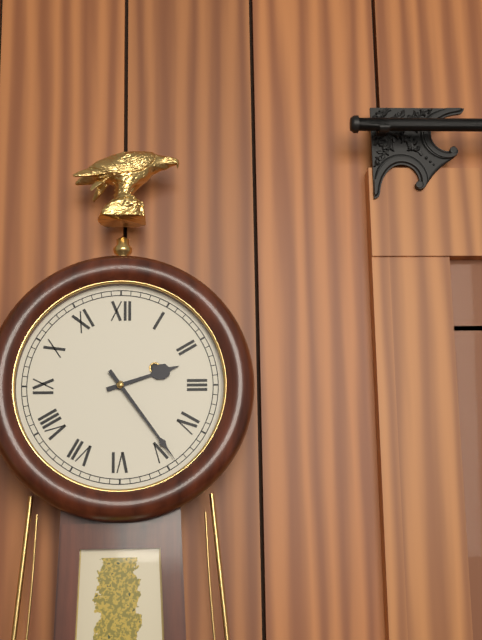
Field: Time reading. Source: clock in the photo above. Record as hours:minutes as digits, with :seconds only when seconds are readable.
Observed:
2:24
